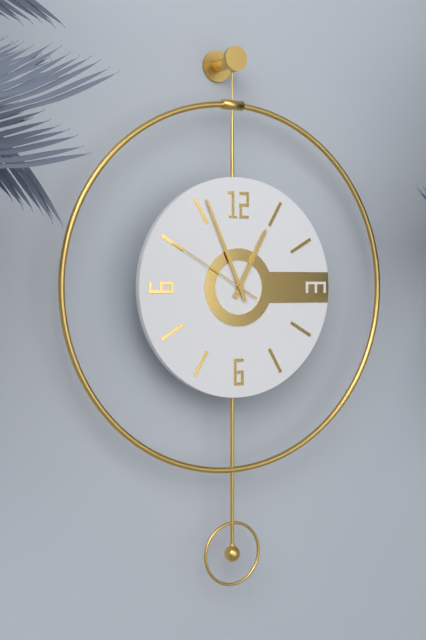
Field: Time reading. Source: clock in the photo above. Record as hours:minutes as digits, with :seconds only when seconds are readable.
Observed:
12:56:50
